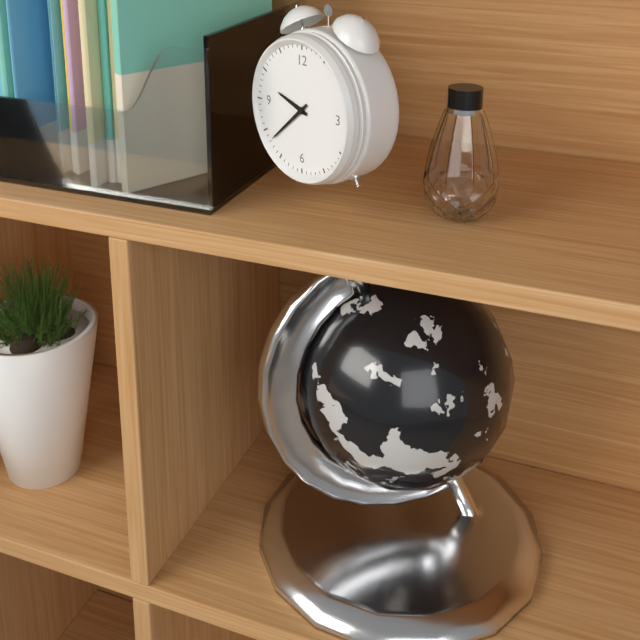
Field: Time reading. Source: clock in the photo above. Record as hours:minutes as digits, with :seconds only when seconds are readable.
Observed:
9:38
